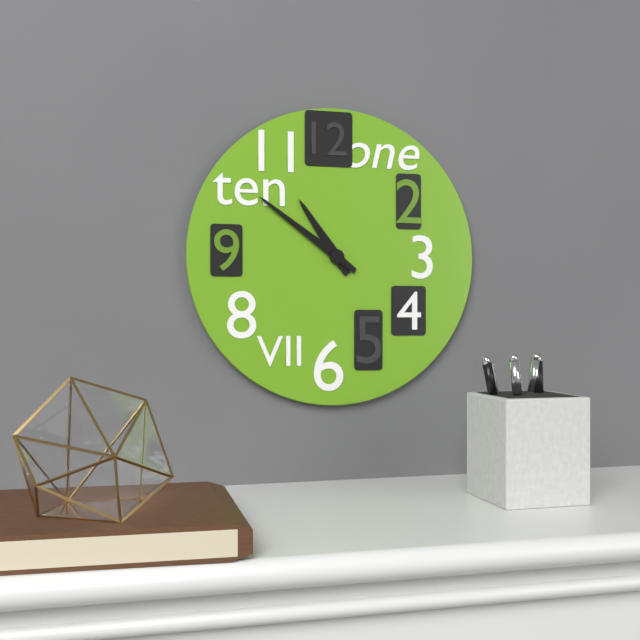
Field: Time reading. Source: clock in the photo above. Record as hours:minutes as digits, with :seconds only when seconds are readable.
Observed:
10:51
